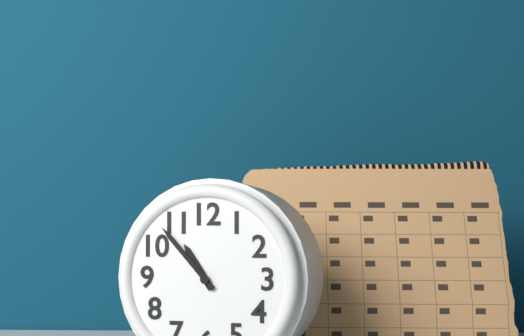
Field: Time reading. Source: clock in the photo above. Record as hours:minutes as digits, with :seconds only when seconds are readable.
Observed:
10:53
